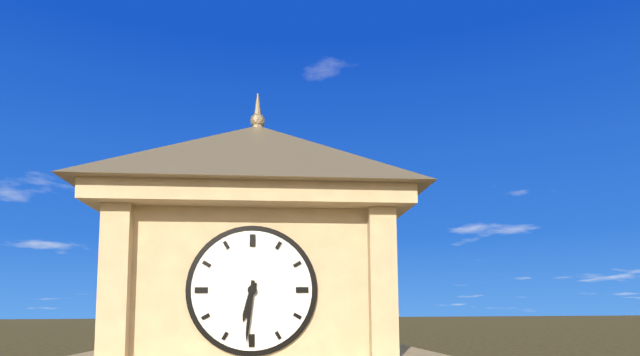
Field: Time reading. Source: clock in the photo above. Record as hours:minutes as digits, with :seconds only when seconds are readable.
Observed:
6:31
